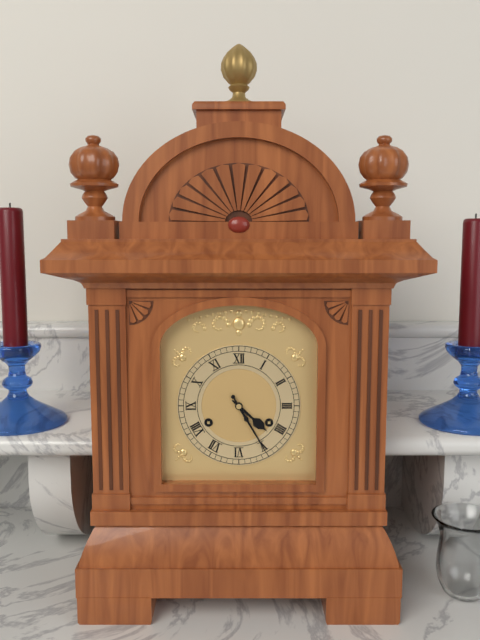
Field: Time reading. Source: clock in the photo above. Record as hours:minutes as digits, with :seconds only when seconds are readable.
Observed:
4:25
